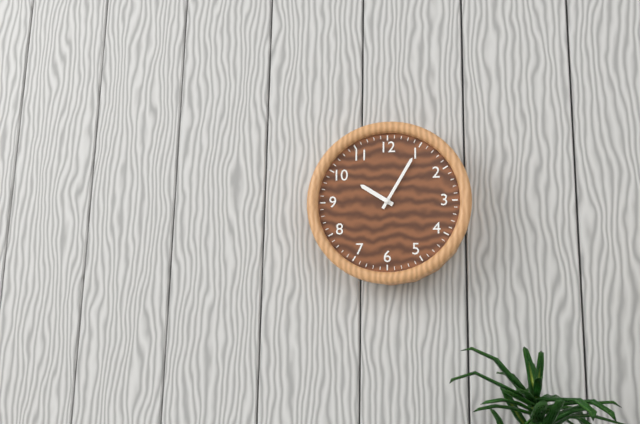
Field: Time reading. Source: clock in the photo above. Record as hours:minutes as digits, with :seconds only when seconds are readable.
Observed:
10:05
